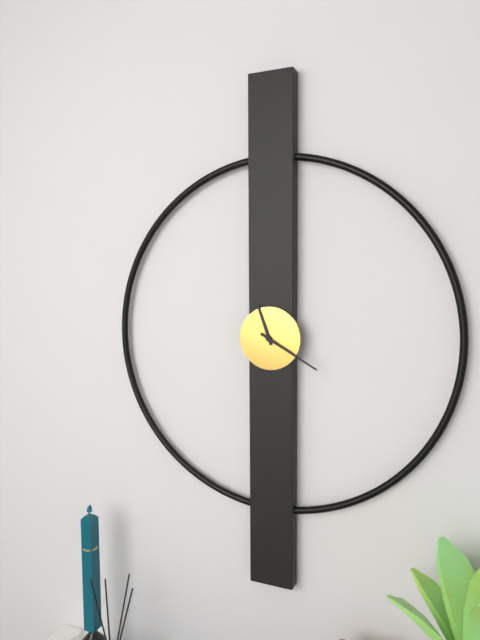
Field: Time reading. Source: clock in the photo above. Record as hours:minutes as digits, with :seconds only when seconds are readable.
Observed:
11:20
